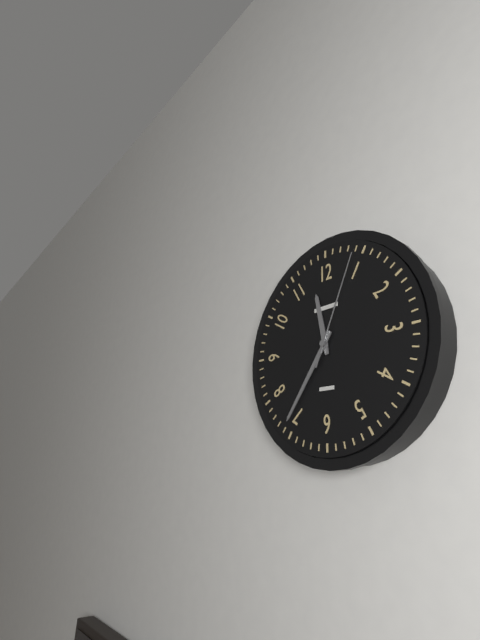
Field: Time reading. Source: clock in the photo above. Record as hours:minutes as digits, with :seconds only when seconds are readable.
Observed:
11:36:04
